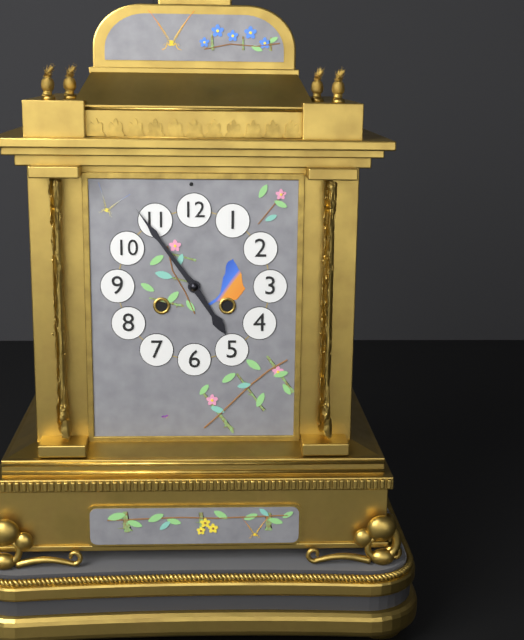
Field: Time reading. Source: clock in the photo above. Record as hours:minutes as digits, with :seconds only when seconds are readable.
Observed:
4:54
